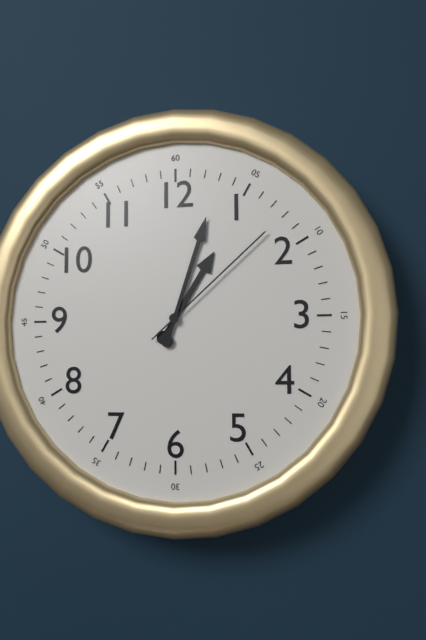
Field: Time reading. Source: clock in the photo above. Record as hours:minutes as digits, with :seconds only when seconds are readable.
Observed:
1:03:08
